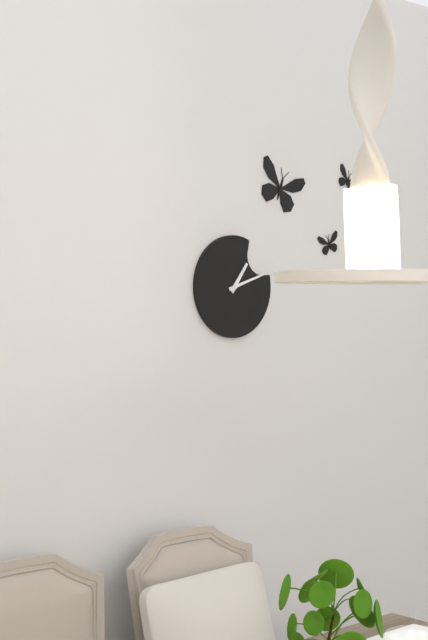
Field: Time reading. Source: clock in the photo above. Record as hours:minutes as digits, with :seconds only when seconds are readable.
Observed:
1:12
